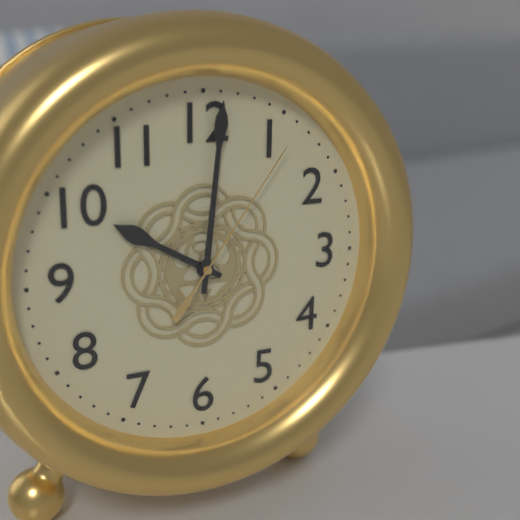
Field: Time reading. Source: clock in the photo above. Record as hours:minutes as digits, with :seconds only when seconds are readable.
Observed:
10:01:06
